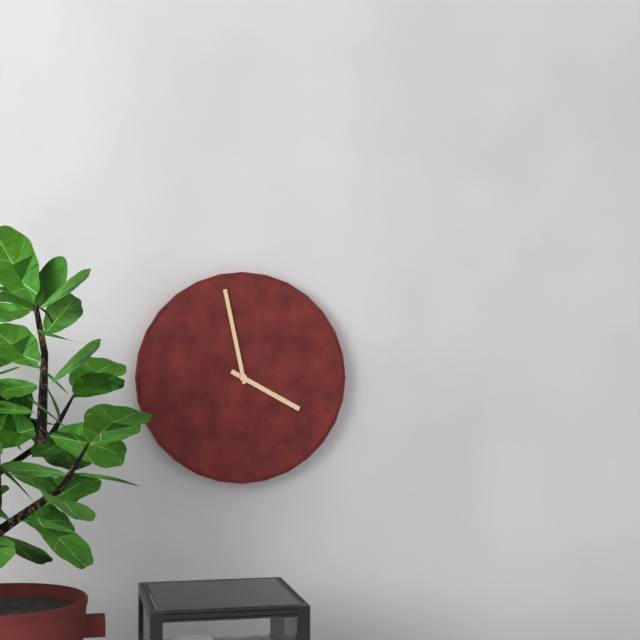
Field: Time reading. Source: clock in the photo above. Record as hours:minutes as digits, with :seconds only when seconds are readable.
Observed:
3:58
